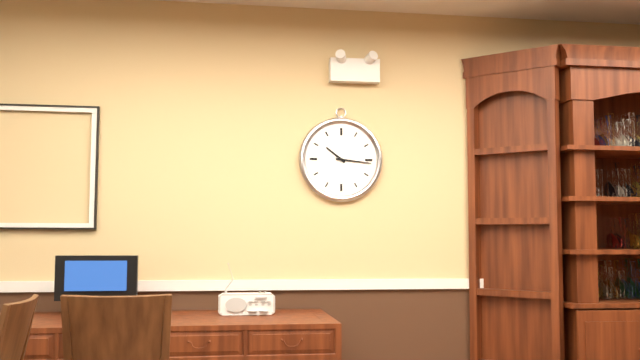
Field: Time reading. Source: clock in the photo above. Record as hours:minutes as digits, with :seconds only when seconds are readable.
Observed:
10:16
